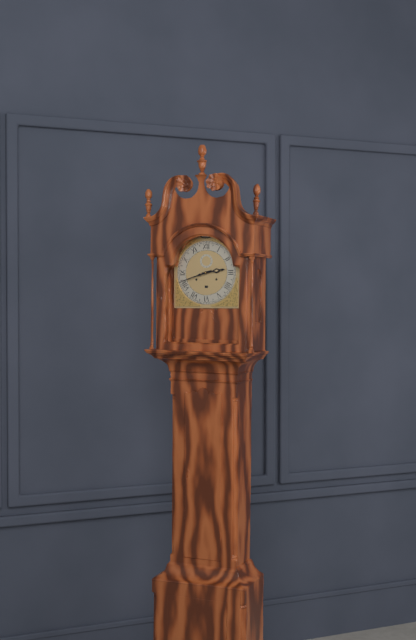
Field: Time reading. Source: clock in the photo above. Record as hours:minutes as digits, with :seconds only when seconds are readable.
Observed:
2:42
